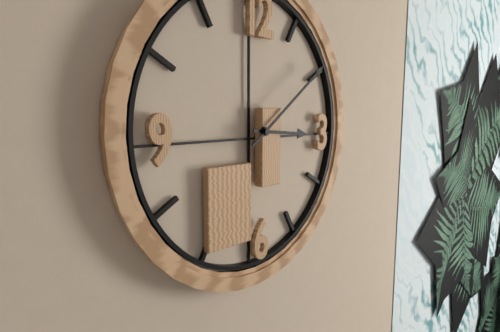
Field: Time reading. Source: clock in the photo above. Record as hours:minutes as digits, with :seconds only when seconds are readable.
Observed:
3:09
